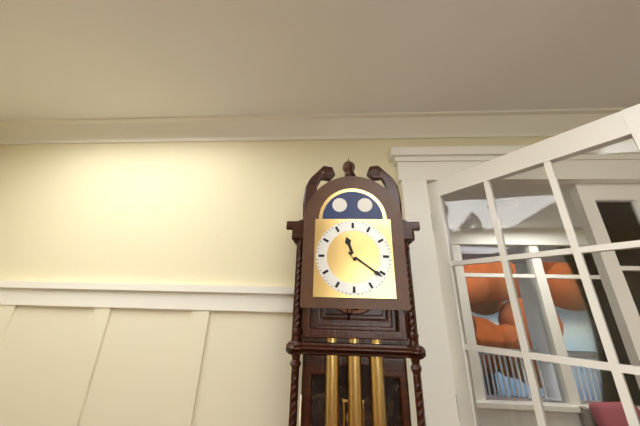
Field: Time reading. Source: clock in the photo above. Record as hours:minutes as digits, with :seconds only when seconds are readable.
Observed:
11:21
